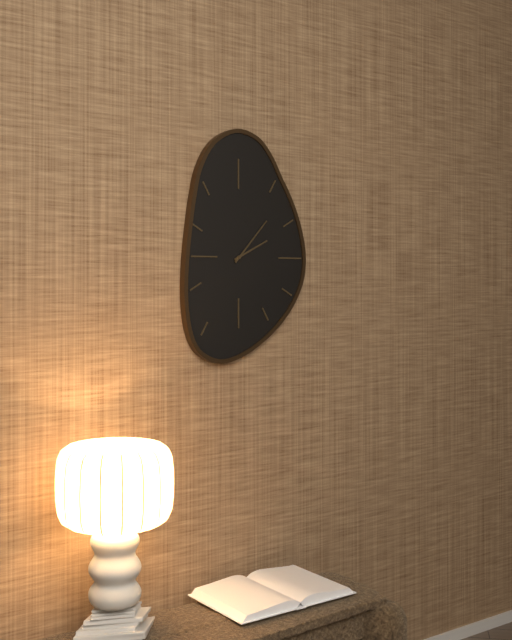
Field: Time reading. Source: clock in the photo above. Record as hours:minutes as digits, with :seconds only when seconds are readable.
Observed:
2:07
